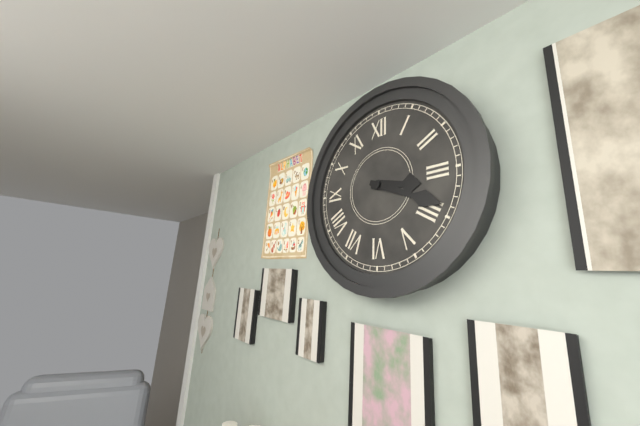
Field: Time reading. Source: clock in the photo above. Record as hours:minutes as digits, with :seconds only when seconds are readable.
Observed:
3:19
